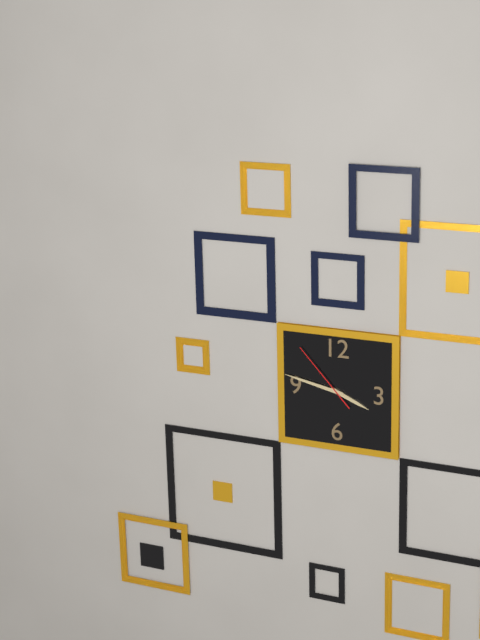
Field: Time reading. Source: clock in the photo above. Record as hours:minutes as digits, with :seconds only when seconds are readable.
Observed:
3:47:53
